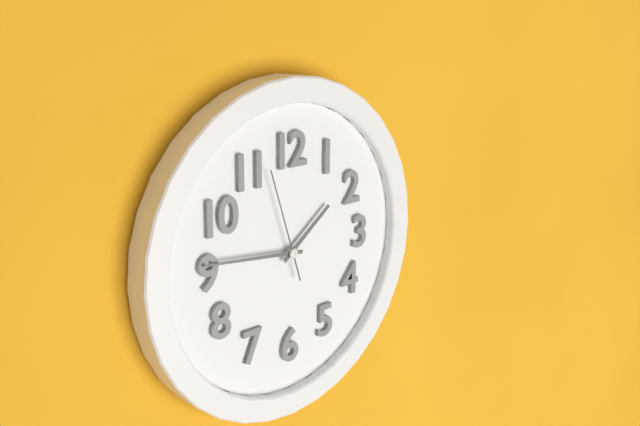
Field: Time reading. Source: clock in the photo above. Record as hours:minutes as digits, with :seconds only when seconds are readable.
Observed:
1:46:57
